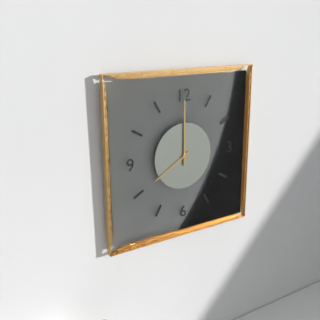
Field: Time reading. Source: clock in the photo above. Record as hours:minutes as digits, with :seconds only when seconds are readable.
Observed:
8:00
